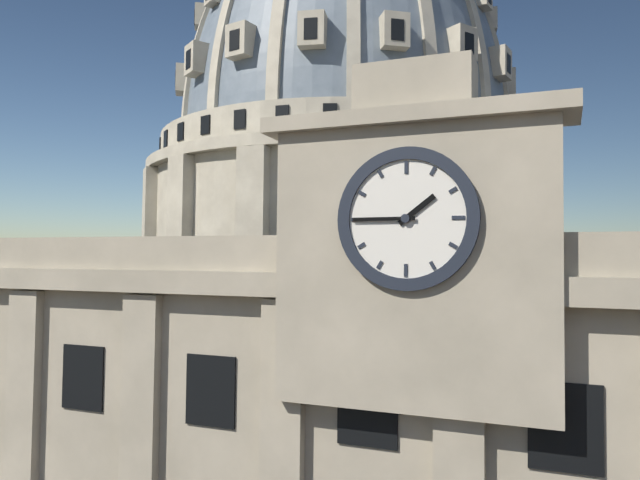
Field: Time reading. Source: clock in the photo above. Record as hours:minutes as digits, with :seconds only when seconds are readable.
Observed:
1:45
